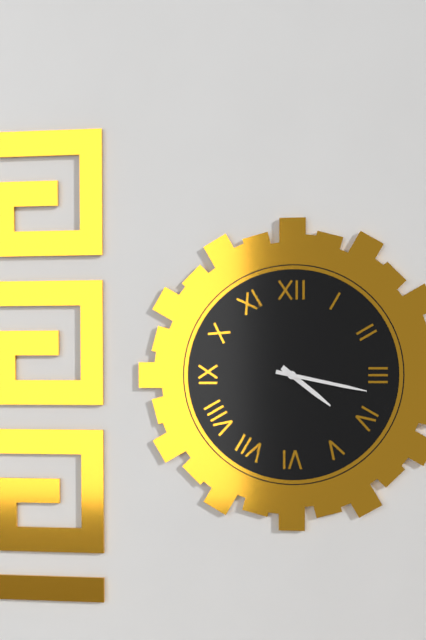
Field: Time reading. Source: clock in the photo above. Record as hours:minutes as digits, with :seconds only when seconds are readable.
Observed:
4:17
